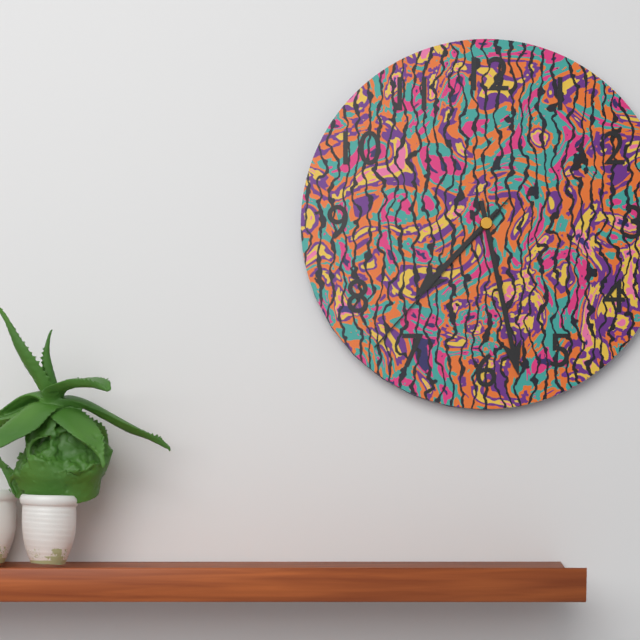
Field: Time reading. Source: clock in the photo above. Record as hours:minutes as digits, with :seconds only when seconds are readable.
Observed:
7:28:37
